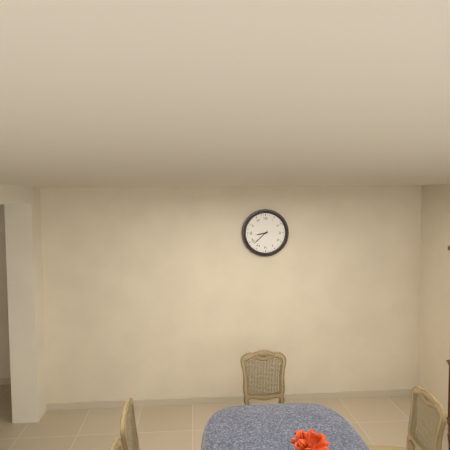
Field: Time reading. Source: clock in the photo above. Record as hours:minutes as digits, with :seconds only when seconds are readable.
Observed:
8:38
